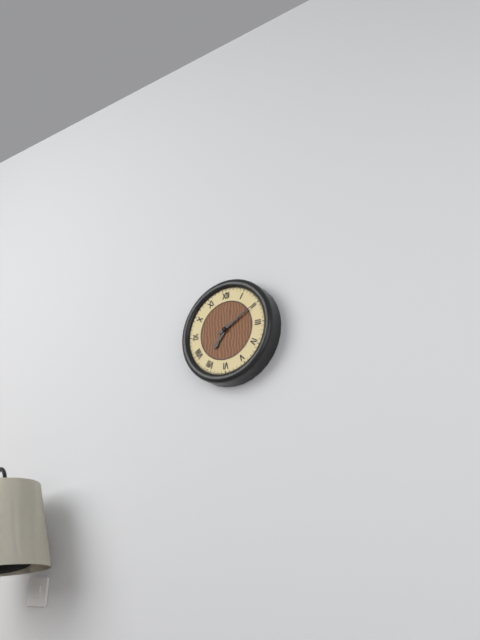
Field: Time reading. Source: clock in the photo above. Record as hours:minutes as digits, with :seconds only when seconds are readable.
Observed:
7:10
